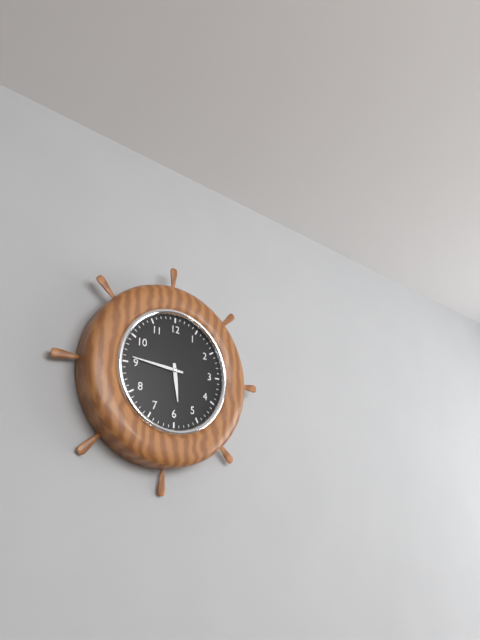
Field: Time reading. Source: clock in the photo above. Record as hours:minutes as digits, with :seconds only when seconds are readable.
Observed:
5:46
